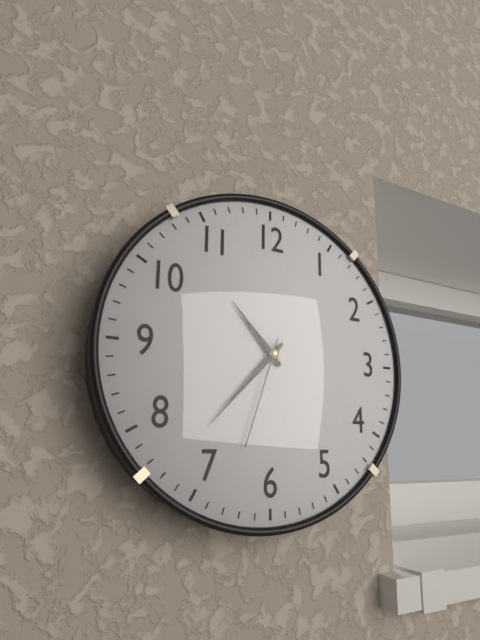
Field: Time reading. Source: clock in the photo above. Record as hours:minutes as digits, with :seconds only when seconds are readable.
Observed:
10:37:33
